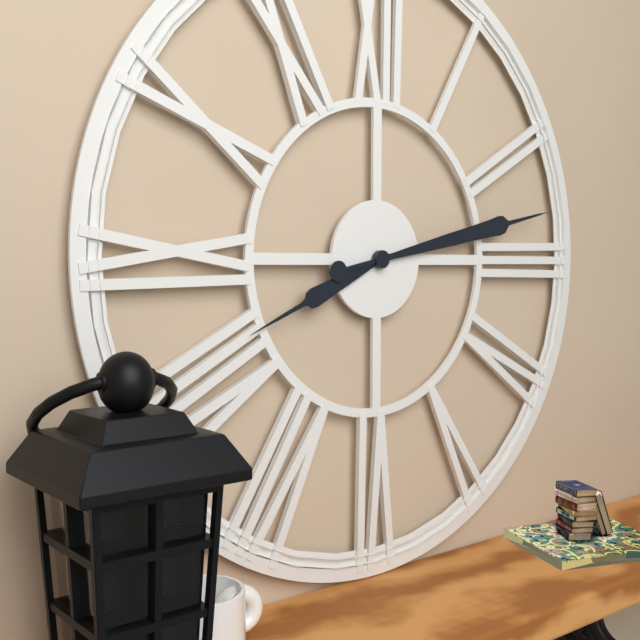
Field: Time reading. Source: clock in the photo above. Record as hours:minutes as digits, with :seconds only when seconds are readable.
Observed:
8:13
